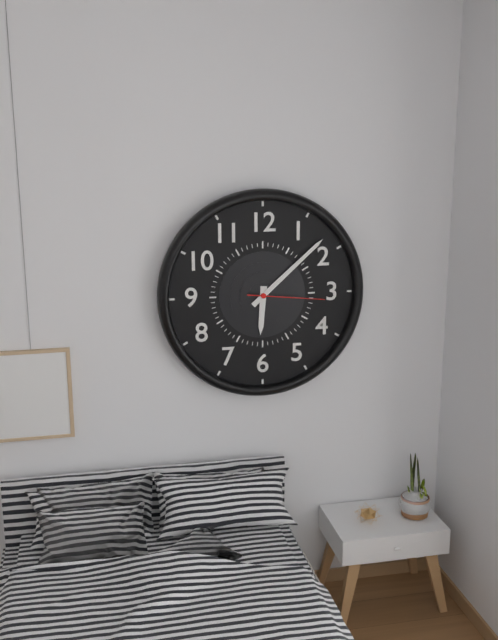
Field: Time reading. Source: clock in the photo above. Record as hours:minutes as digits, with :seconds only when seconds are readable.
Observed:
6:08:16
